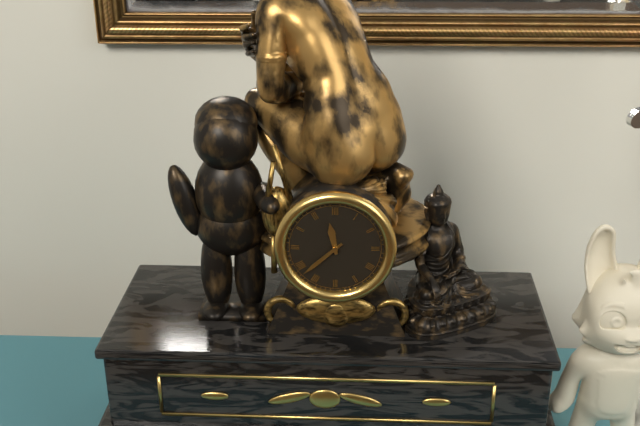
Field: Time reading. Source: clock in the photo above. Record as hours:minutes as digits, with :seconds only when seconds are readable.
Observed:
11:38
